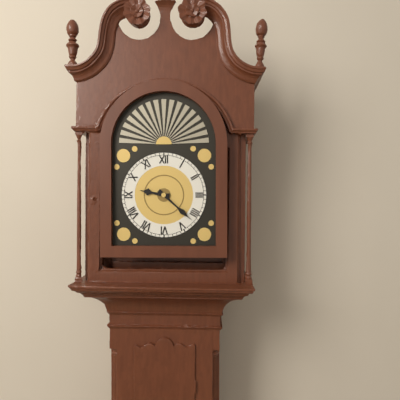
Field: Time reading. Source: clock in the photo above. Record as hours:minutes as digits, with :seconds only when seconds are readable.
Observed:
9:22
